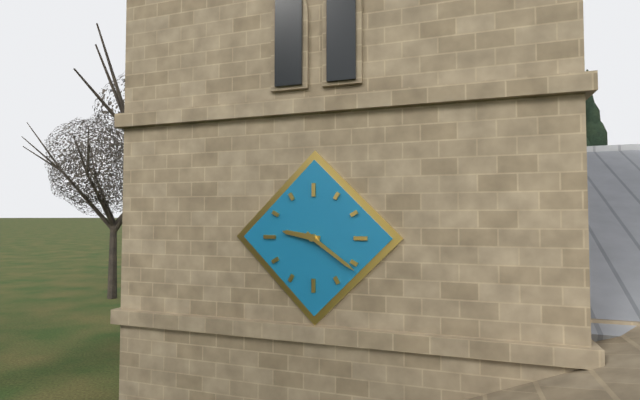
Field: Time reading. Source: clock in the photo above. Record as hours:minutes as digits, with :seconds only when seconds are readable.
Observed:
9:21
